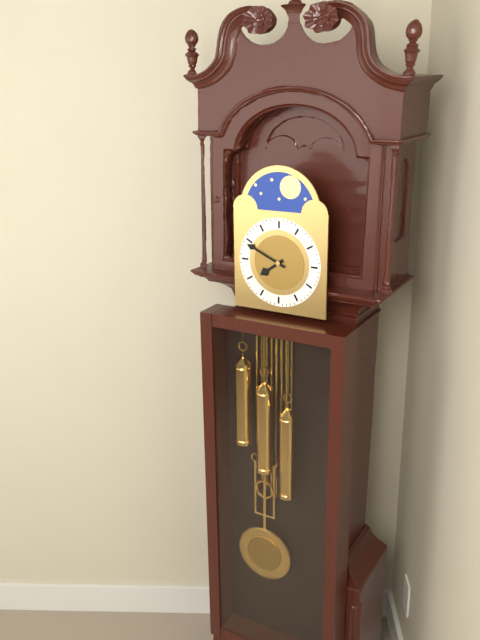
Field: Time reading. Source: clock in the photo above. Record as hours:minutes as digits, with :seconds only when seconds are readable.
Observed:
7:49
